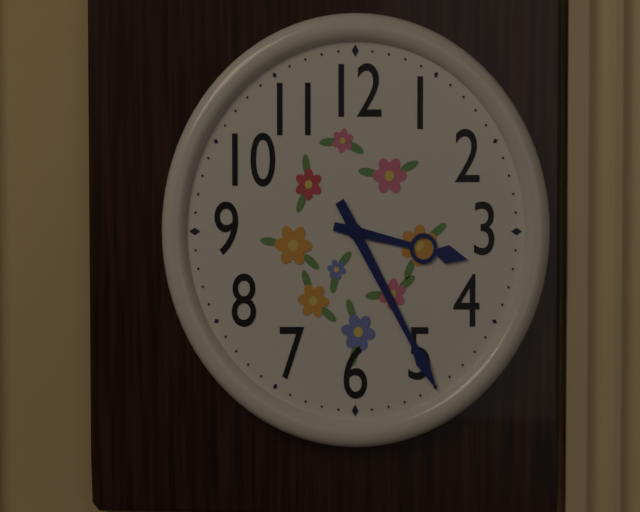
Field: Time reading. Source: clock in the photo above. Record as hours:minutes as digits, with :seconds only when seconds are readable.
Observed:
3:25
